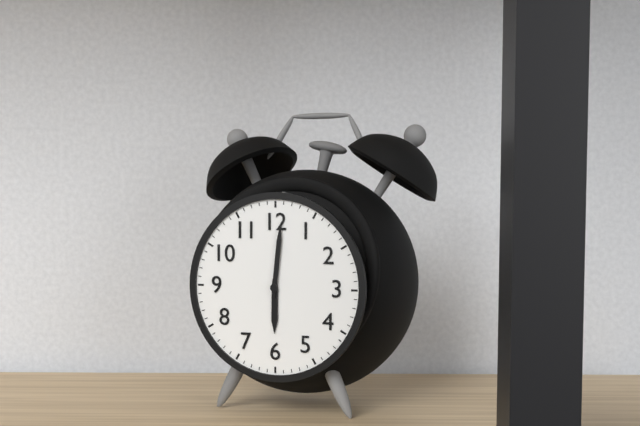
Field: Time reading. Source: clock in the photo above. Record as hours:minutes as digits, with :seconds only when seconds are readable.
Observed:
6:01
